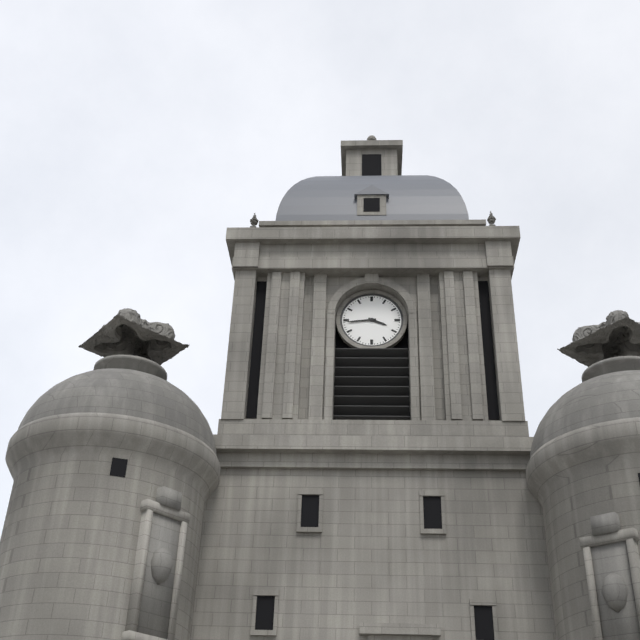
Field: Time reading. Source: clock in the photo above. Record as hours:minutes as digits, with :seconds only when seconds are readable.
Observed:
3:44
